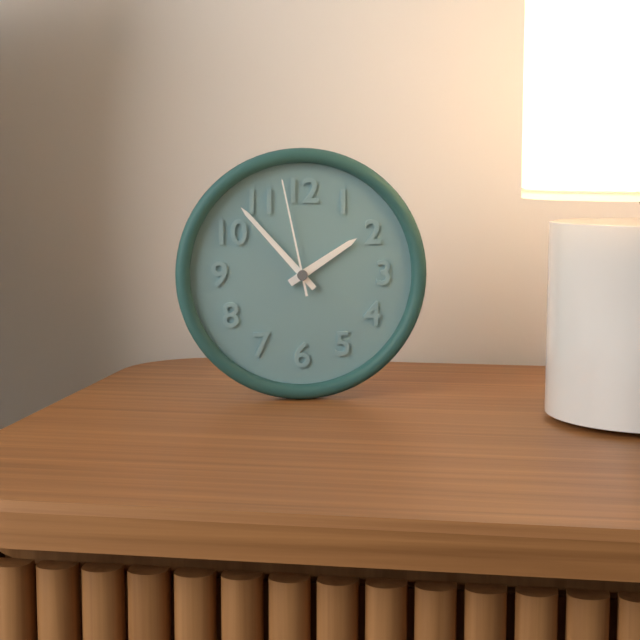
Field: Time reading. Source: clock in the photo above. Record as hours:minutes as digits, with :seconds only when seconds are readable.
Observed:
1:53:58
